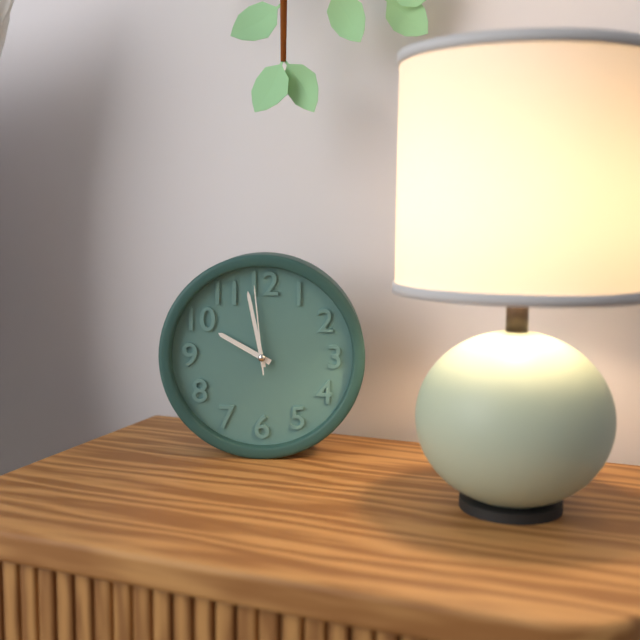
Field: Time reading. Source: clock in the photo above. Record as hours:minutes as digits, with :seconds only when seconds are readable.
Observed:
9:58:59
